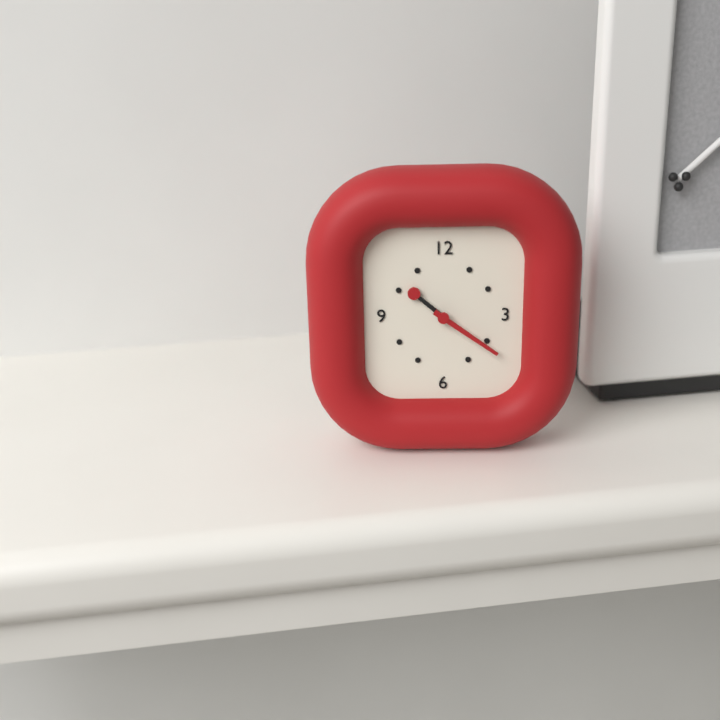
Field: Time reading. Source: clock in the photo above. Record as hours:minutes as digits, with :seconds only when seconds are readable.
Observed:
10:21
